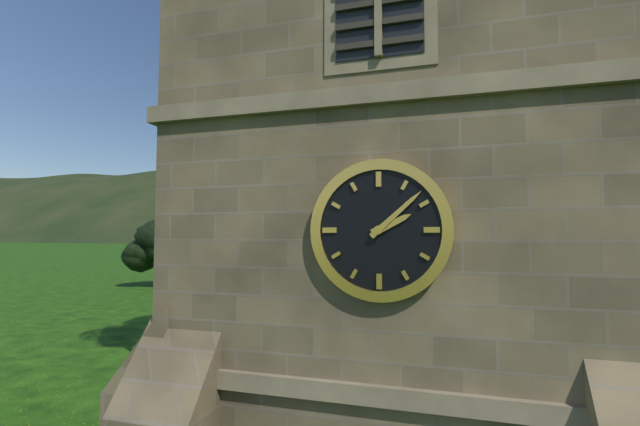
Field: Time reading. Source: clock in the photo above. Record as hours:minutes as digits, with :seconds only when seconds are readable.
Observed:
2:08
